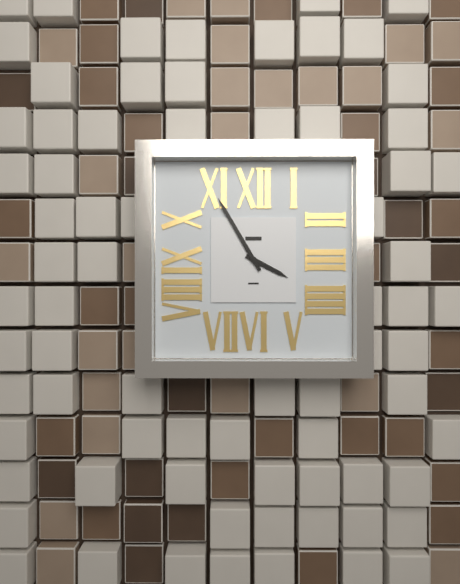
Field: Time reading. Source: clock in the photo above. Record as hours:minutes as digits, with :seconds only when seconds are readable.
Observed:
3:55
